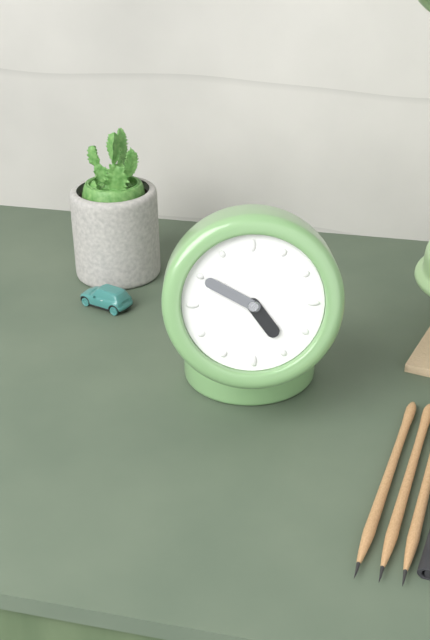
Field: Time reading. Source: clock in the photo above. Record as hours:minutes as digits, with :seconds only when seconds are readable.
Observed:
4:50
